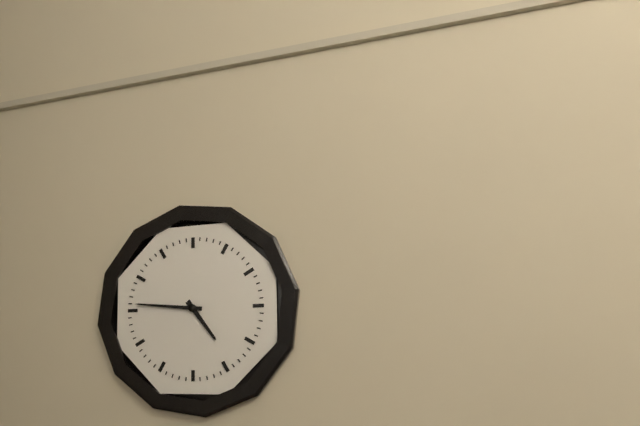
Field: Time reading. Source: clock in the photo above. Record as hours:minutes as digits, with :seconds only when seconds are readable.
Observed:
4:46
